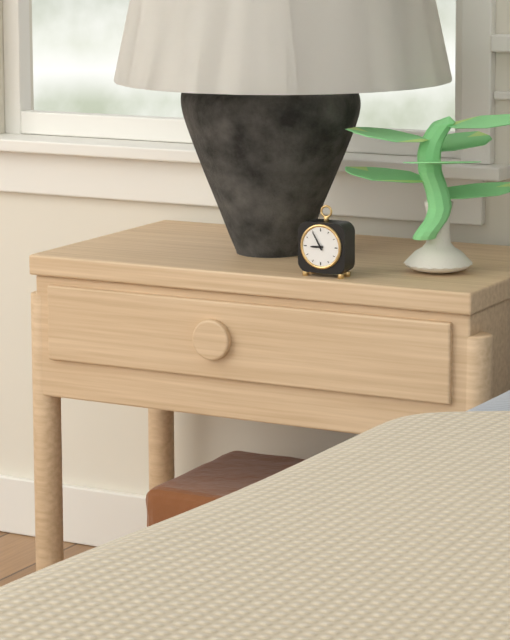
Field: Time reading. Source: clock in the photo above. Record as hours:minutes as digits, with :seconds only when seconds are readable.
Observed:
8:55
